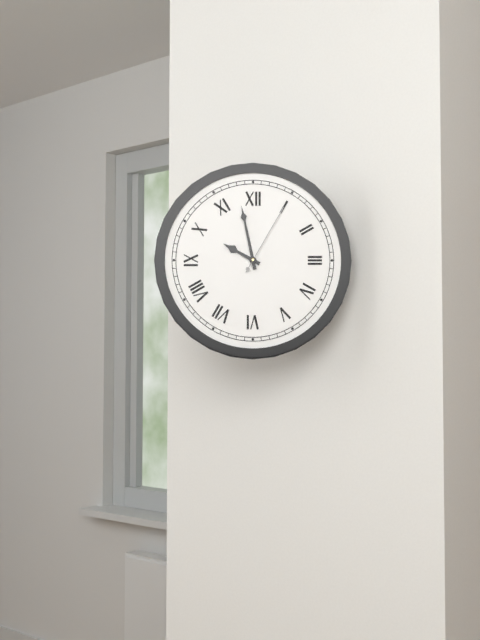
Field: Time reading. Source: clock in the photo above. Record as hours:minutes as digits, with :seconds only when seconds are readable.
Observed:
9:58:05
